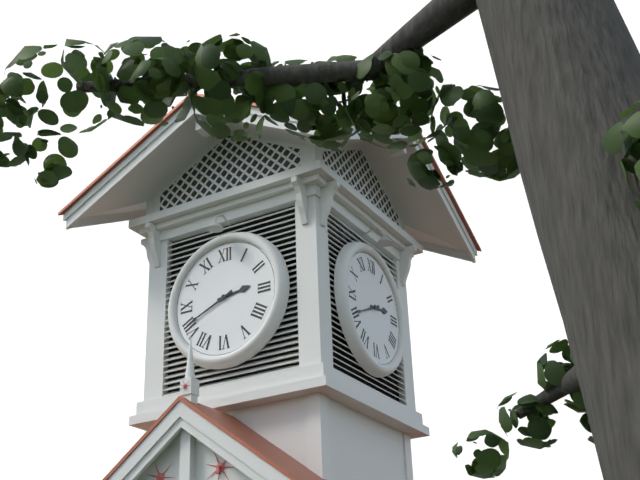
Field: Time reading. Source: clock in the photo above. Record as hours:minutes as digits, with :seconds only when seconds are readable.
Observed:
2:41
